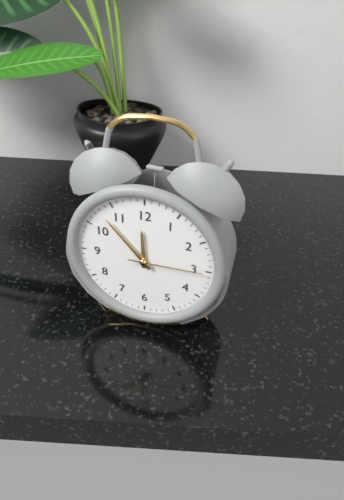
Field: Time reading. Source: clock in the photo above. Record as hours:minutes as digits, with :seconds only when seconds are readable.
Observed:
11:53:15
